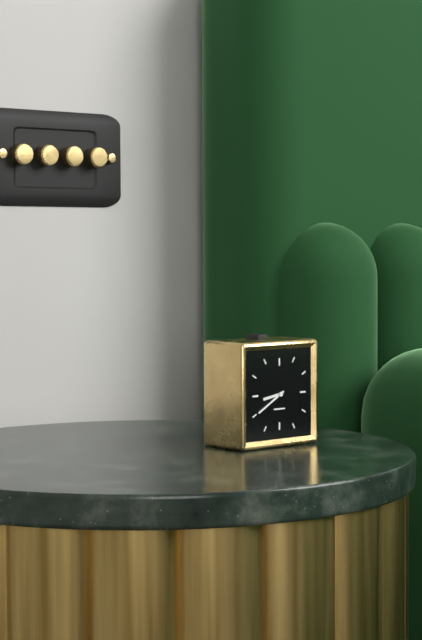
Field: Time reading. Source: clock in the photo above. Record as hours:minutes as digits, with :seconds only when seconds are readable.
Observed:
8:40
